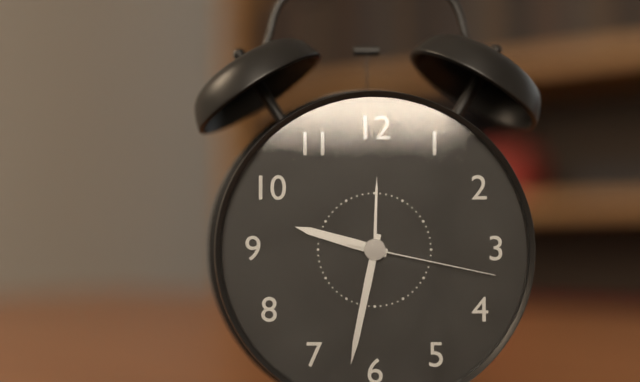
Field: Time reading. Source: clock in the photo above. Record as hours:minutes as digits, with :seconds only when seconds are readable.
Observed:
9:32:17
